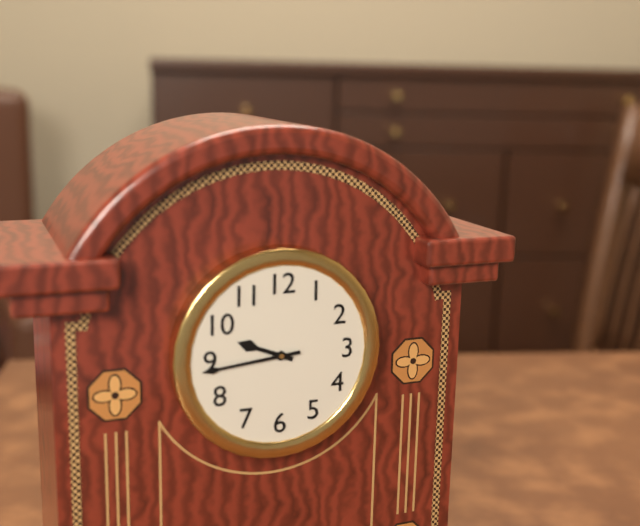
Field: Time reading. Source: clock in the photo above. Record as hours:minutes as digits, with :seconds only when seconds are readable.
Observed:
9:44
